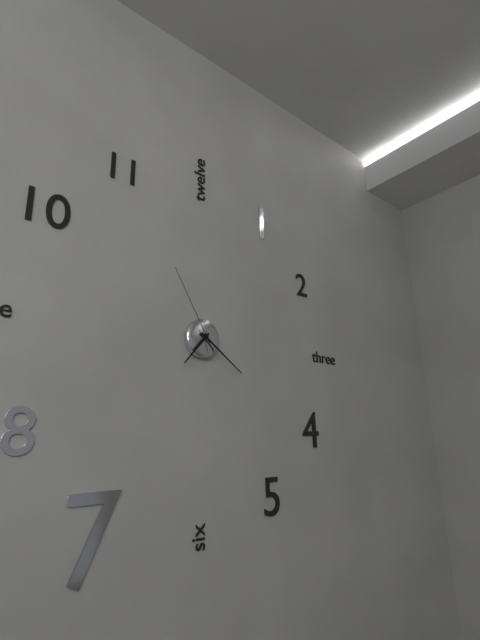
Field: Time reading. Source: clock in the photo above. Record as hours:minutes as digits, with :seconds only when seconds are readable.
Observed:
7:21:55
